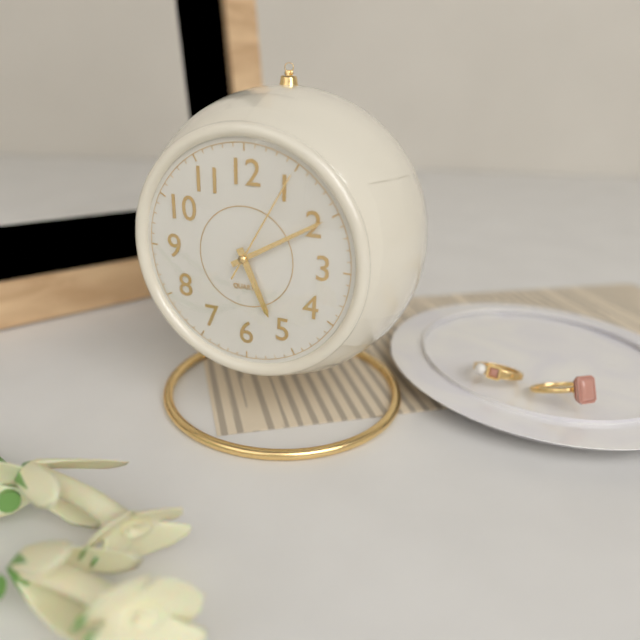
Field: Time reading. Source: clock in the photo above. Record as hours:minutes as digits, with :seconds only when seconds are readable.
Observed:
5:10:05
